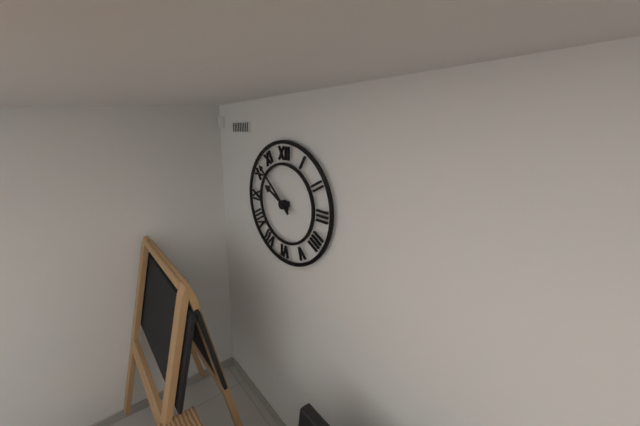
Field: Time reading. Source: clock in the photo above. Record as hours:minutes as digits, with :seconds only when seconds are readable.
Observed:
9:52
